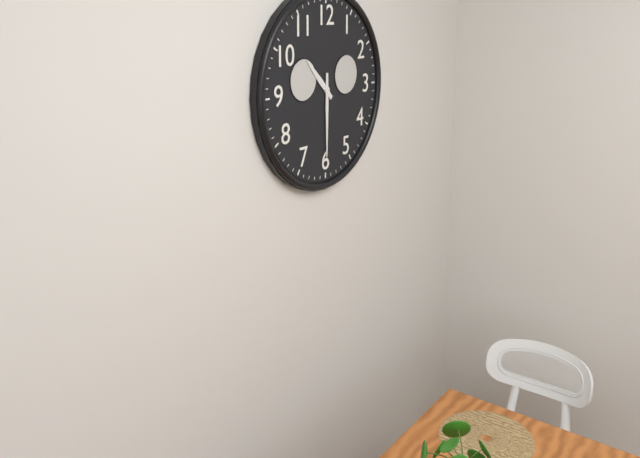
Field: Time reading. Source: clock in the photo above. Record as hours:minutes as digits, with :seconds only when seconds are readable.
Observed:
10:30
